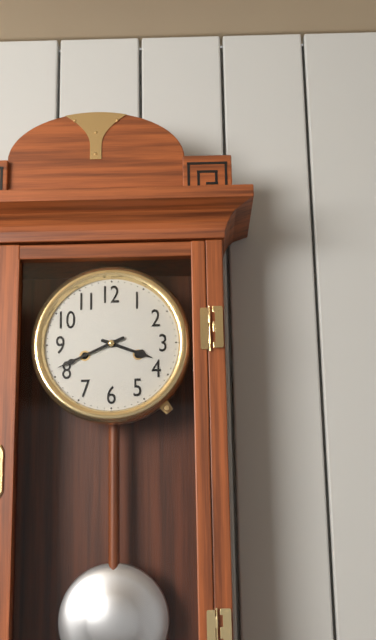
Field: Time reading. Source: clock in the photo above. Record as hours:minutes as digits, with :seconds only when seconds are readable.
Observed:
3:41
